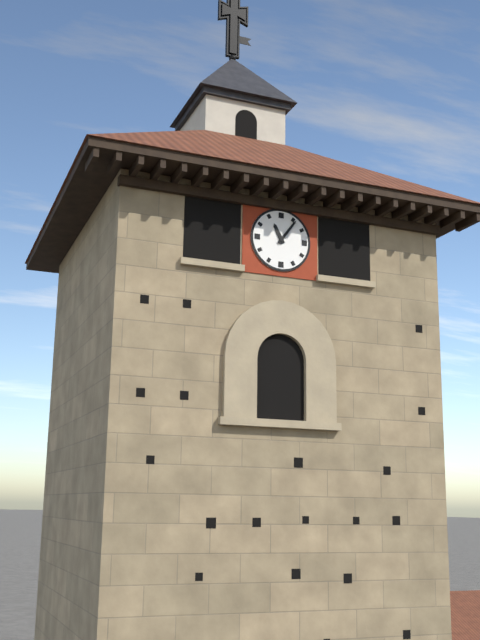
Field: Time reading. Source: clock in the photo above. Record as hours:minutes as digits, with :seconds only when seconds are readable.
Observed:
11:06
